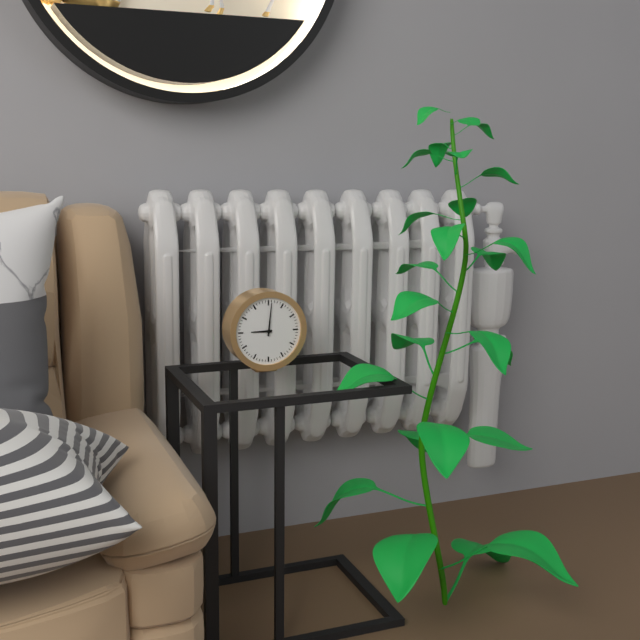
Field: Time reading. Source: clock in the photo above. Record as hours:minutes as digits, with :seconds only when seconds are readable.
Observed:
9:01
